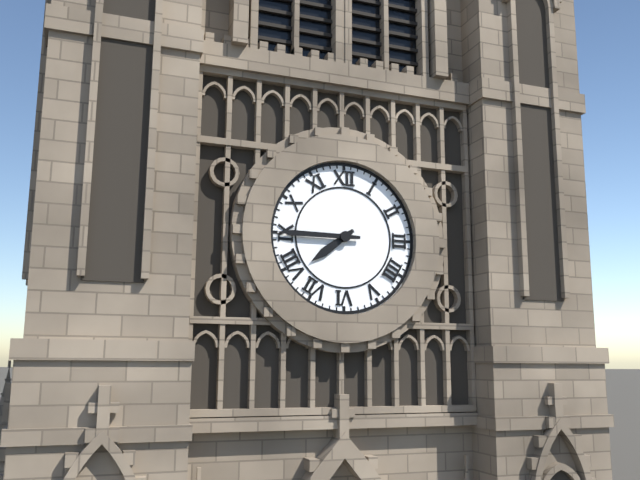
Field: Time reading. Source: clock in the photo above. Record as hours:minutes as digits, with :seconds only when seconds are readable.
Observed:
7:45
